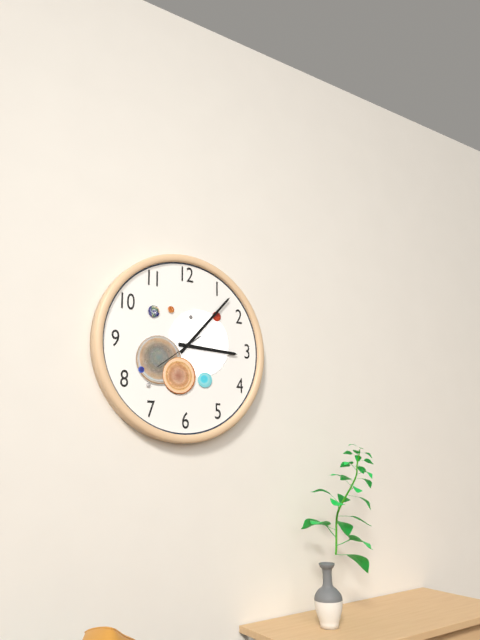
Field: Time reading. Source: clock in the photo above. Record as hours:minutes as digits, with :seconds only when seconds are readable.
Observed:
3:07
